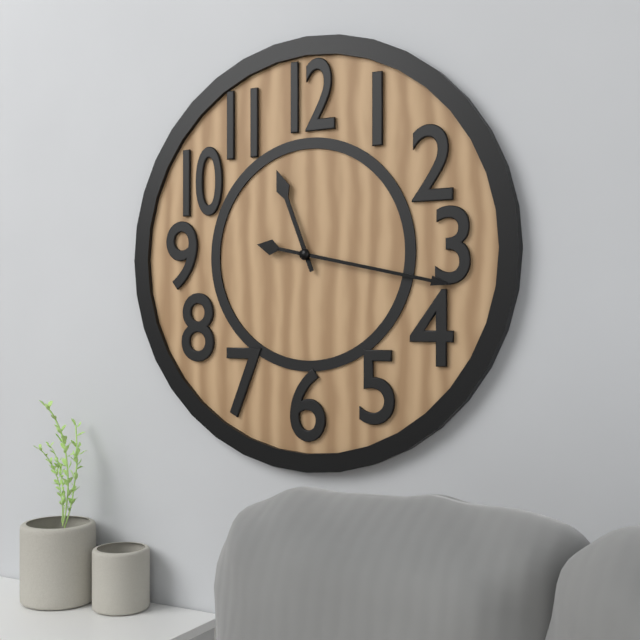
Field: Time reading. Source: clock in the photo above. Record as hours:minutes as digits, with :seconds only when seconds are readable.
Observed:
11:17
